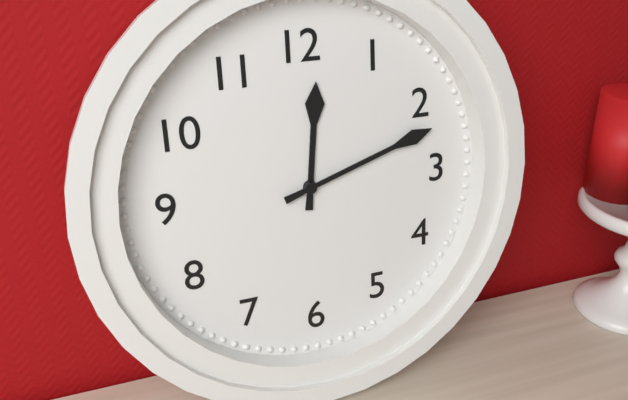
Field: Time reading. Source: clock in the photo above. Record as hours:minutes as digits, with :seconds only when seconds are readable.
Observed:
12:12
